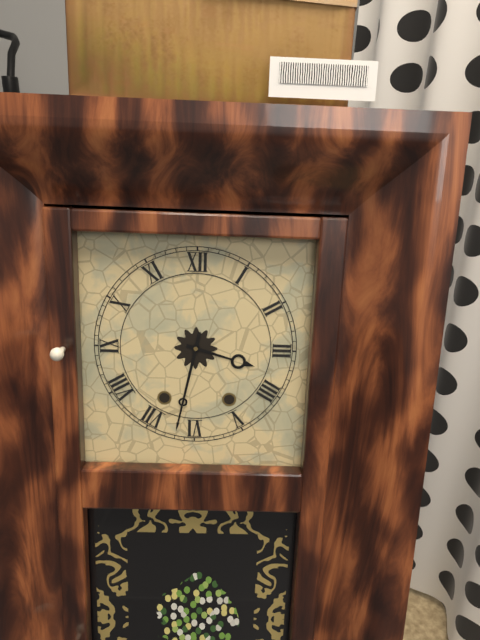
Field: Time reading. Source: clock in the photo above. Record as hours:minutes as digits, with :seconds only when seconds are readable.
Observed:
3:32
